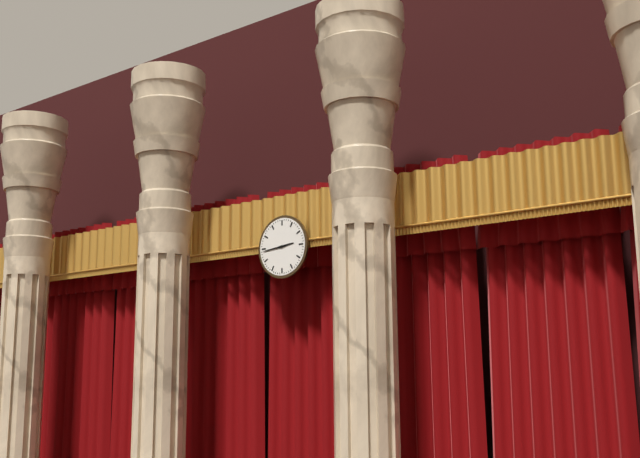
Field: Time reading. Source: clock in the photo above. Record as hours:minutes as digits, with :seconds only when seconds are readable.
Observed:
2:44
